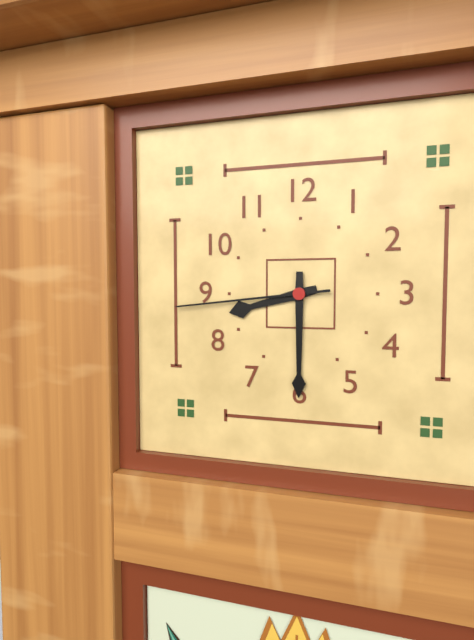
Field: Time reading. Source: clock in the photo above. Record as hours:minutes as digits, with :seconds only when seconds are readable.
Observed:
8:30:44
